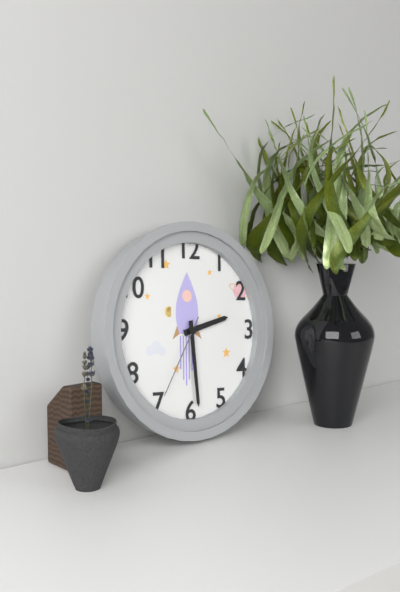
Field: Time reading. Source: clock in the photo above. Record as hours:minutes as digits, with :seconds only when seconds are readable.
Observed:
2:29:35
